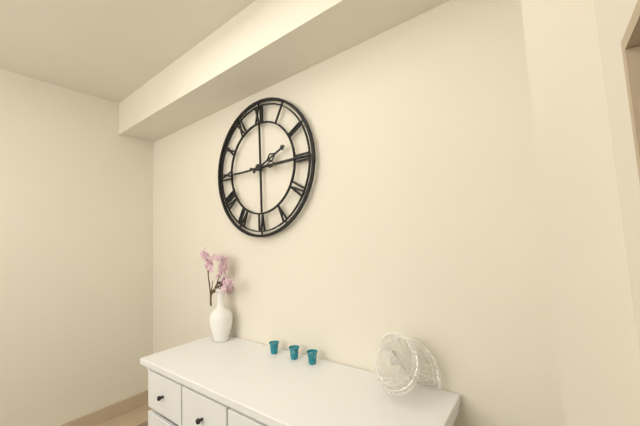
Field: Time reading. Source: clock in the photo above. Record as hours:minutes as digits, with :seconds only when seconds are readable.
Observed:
2:15
